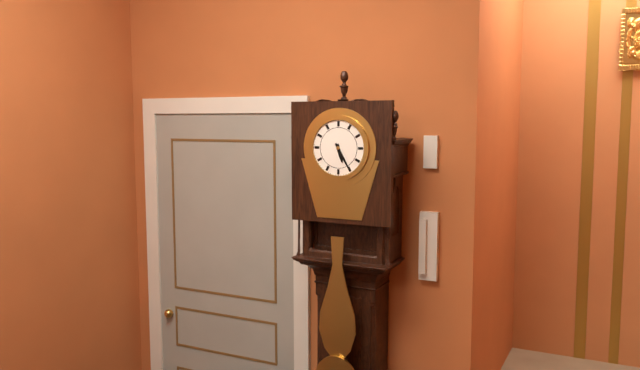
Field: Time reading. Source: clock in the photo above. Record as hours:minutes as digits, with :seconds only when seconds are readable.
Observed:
5:25
